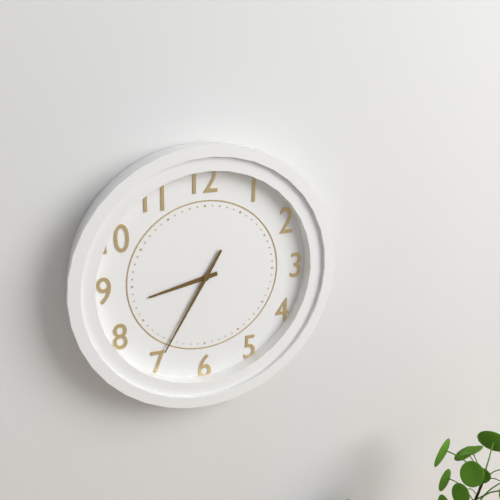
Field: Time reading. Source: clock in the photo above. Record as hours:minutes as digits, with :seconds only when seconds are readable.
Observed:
8:35
